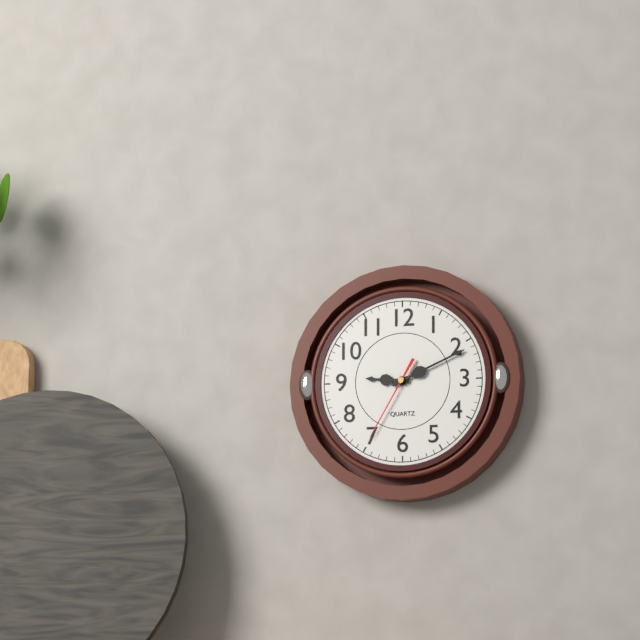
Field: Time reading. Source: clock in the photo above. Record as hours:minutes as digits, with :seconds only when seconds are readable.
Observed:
9:11:35
